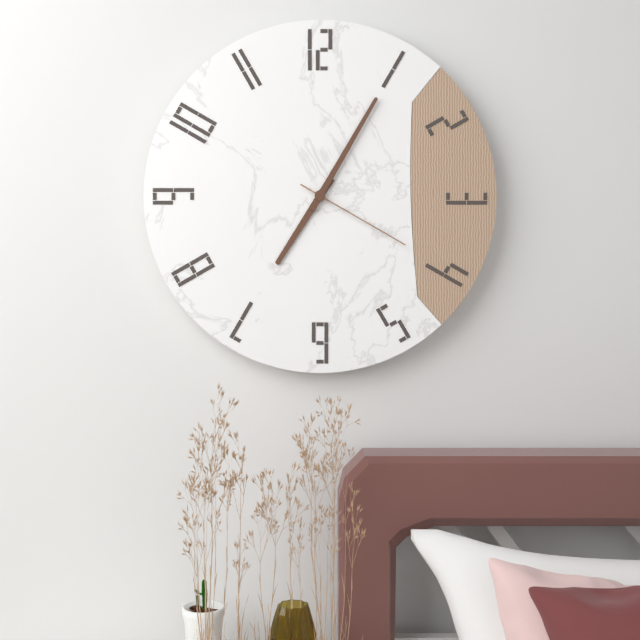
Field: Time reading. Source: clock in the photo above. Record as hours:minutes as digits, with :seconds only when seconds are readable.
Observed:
7:05:20
